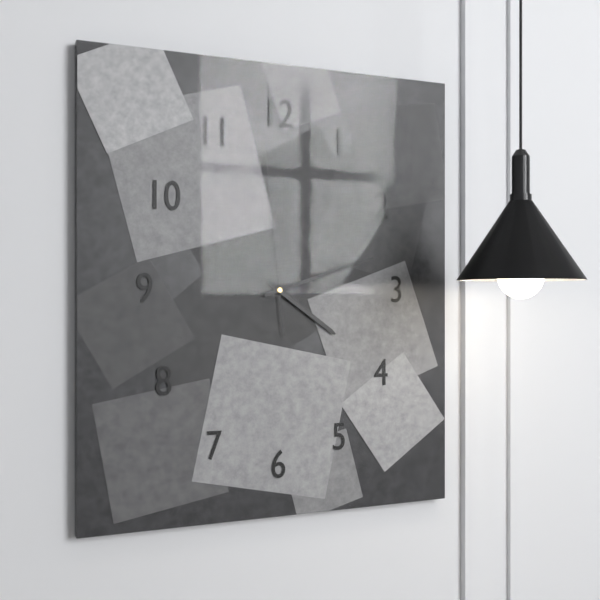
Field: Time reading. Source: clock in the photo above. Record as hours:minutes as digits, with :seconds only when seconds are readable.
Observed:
4:12:59
